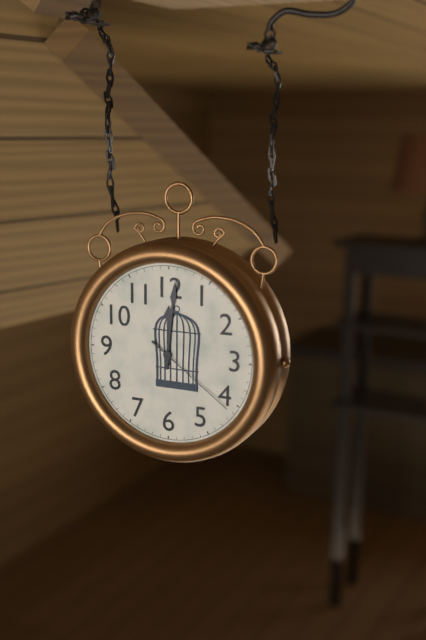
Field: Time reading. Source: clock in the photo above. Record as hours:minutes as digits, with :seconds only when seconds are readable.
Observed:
12:01:21
